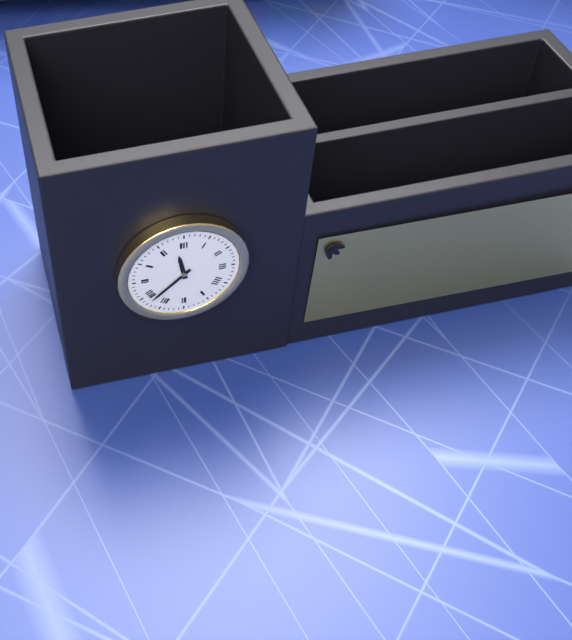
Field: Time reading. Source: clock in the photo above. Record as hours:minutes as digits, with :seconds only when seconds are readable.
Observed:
11:38
